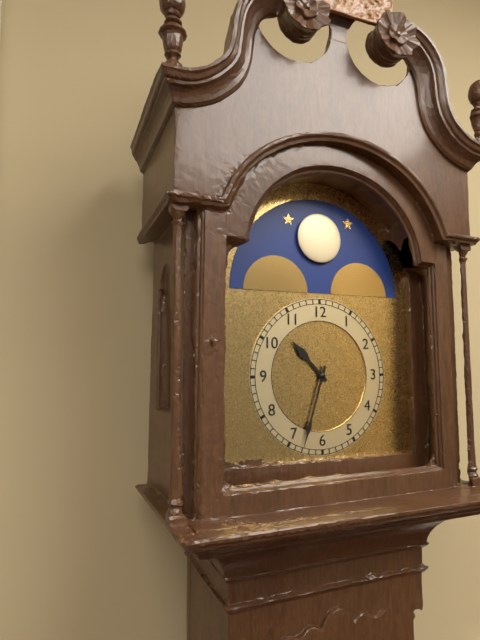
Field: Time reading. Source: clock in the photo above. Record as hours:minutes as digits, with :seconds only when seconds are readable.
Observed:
10:33
